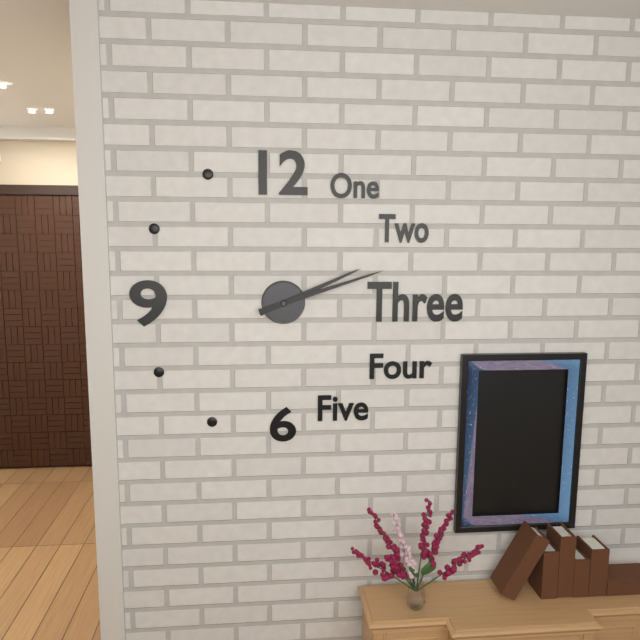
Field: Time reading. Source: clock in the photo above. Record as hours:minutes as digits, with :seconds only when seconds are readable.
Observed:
2:12
